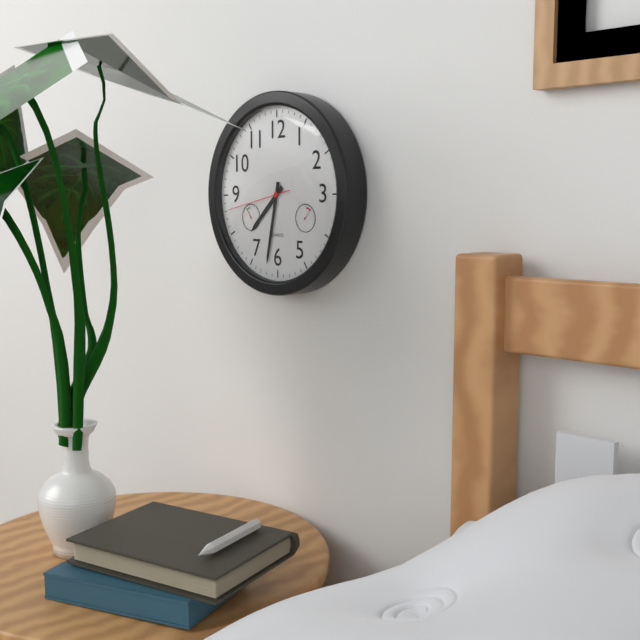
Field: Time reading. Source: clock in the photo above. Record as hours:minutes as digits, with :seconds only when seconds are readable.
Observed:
7:32:43
